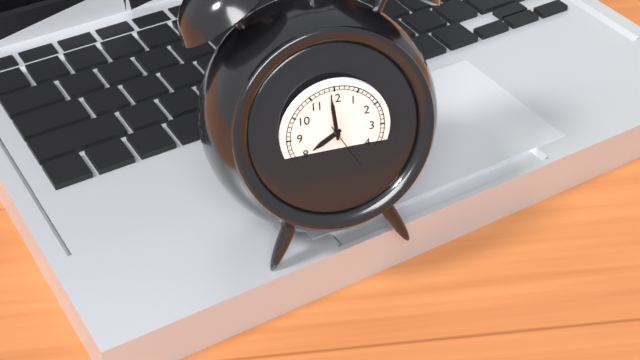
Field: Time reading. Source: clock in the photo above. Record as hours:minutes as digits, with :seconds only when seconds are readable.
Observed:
7:59:25
